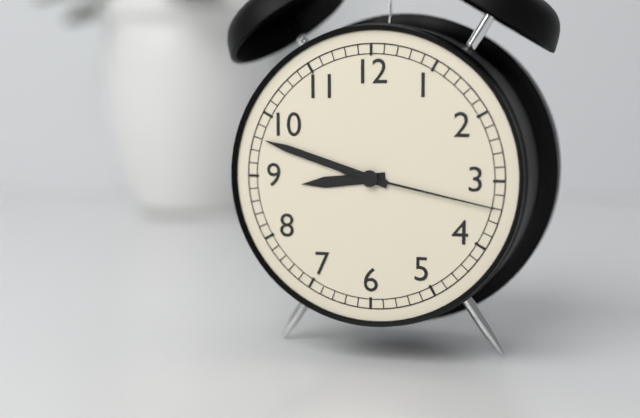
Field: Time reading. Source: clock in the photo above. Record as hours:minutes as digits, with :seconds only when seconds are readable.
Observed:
8:48:17
